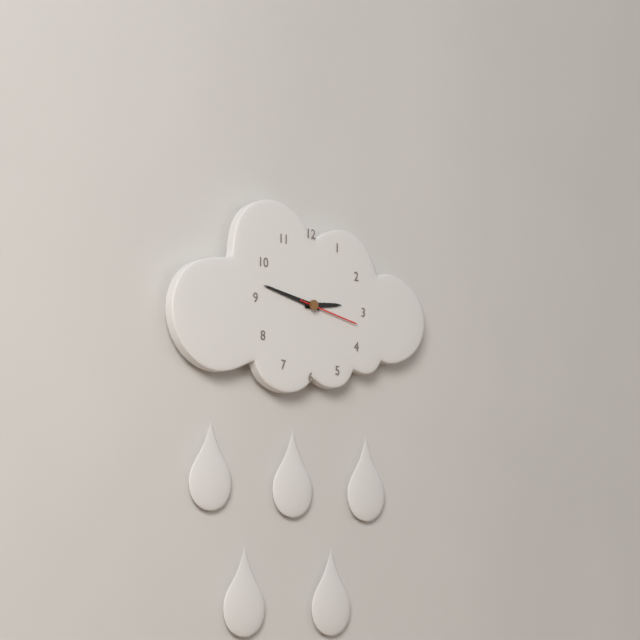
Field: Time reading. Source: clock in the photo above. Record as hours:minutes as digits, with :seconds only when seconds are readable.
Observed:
2:47:17
